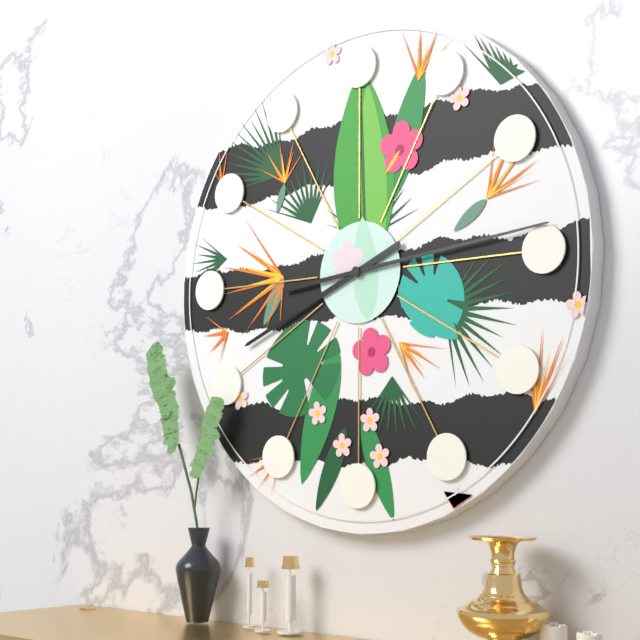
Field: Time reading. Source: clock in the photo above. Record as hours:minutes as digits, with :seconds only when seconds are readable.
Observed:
8:14
